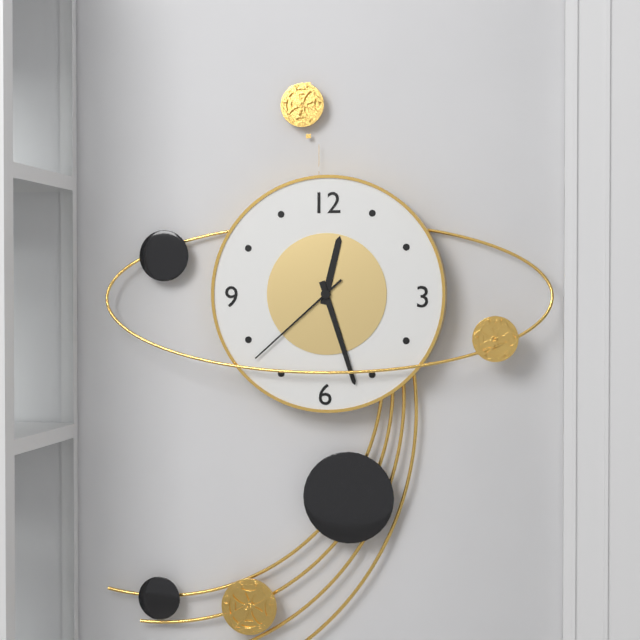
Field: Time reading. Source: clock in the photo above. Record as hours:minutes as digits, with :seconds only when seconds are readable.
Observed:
12:27:38
